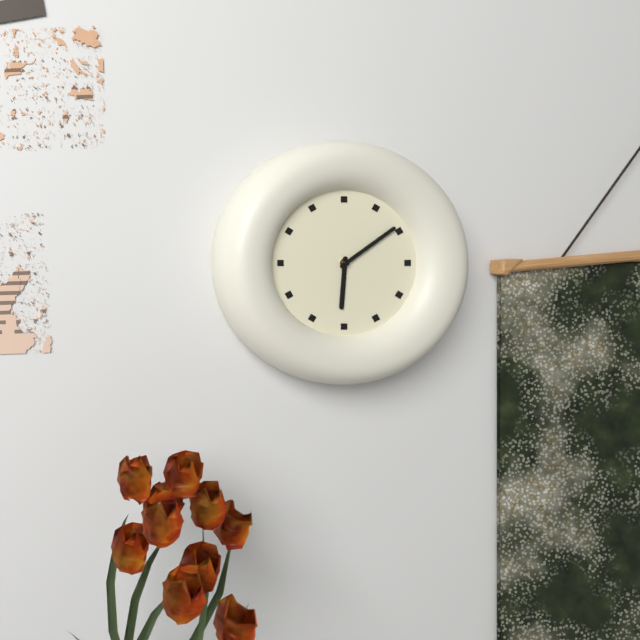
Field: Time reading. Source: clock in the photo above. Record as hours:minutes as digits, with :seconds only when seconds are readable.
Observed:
6:09
